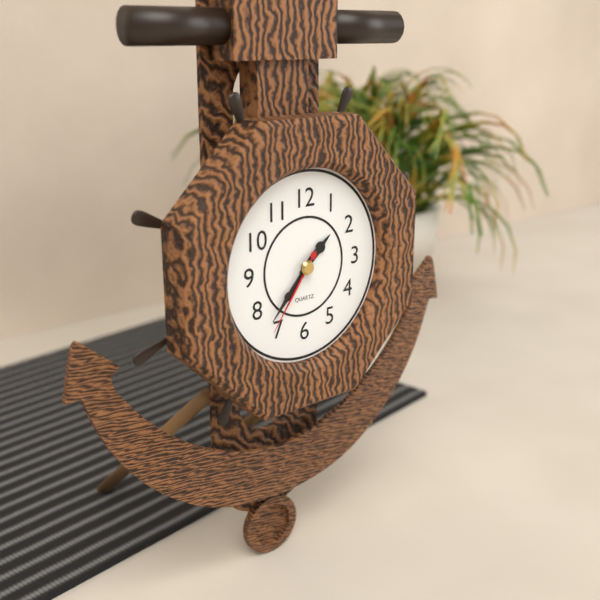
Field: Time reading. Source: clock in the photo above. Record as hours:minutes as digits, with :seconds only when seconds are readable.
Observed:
1:37:36
